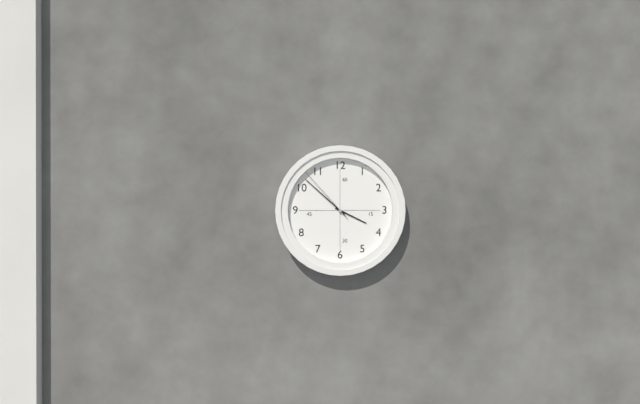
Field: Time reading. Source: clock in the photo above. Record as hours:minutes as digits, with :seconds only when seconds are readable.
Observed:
3:52:53
